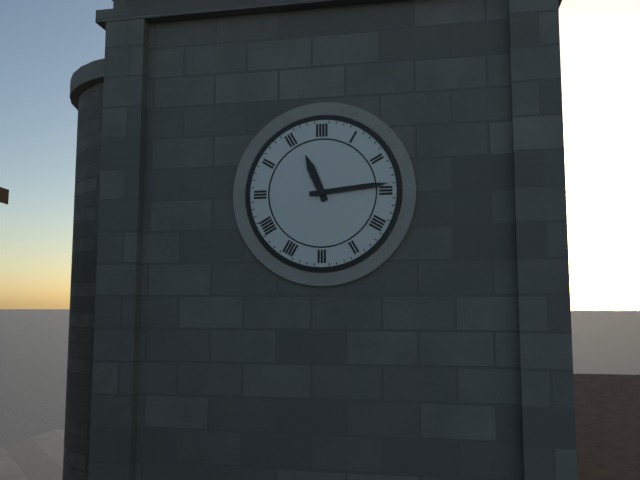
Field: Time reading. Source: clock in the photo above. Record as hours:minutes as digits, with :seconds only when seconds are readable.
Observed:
11:14
